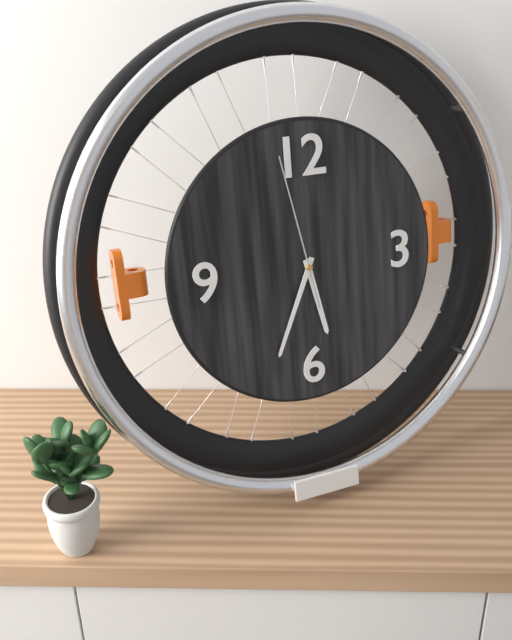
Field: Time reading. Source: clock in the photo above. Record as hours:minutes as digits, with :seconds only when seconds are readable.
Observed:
5:34:58
